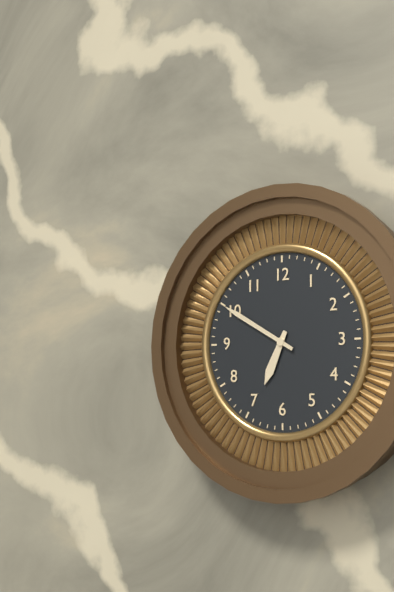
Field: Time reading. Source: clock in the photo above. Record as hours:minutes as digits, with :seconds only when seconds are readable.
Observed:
6:50
